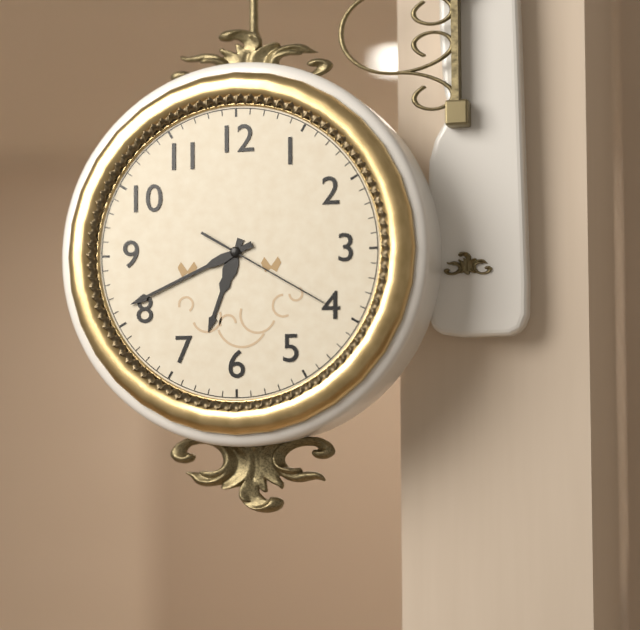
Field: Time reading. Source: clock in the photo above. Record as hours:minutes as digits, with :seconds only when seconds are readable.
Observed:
6:41:20
